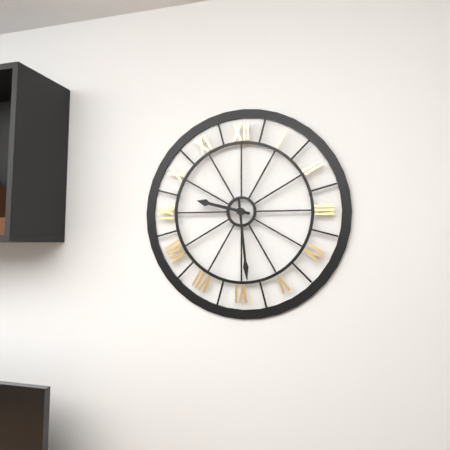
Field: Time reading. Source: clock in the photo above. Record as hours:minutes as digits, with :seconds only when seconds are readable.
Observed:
9:29
